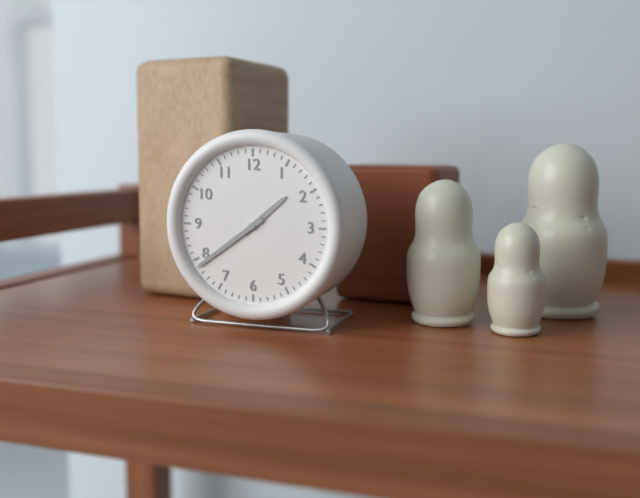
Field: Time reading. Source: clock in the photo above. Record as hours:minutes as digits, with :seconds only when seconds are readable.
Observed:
1:39
